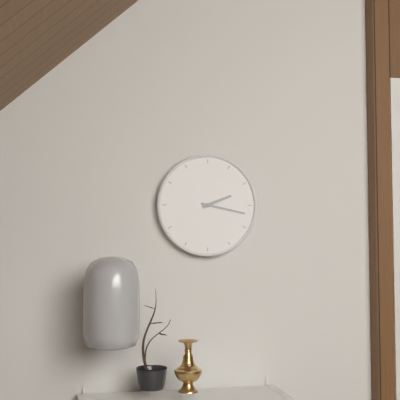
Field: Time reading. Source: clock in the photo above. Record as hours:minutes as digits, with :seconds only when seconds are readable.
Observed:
2:17
